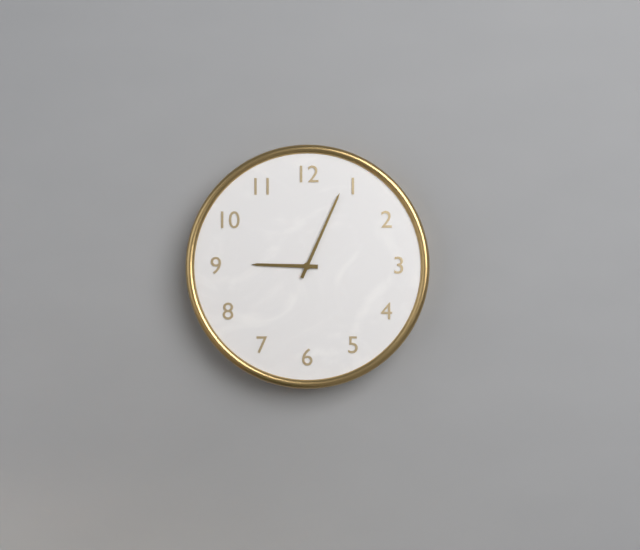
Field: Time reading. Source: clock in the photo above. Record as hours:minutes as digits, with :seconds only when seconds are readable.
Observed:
9:04
